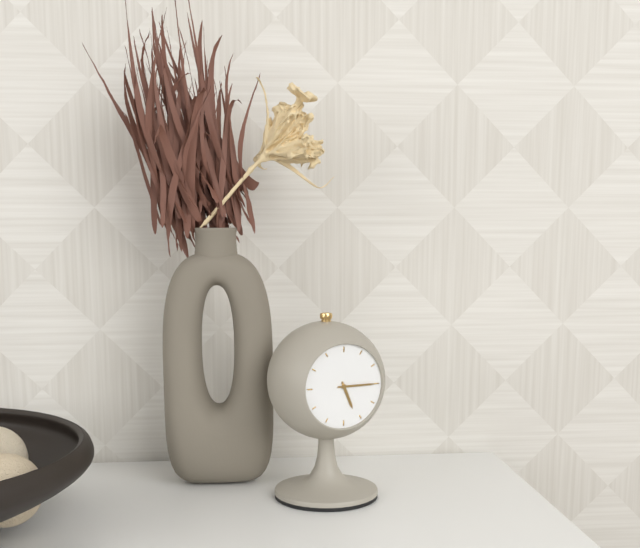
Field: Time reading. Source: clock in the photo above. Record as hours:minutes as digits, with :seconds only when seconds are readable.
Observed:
5:15
